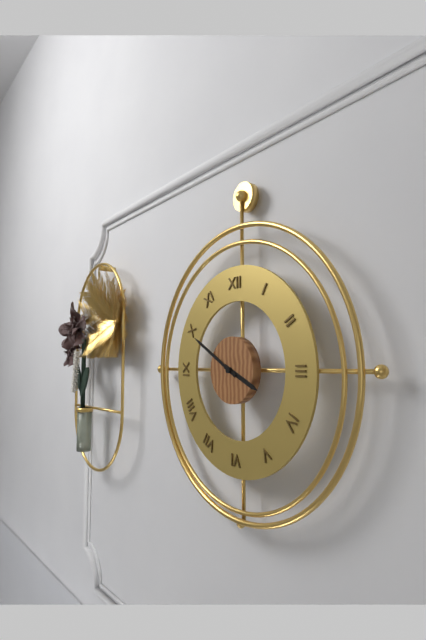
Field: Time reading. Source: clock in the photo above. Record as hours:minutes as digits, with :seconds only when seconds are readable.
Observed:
3:50
